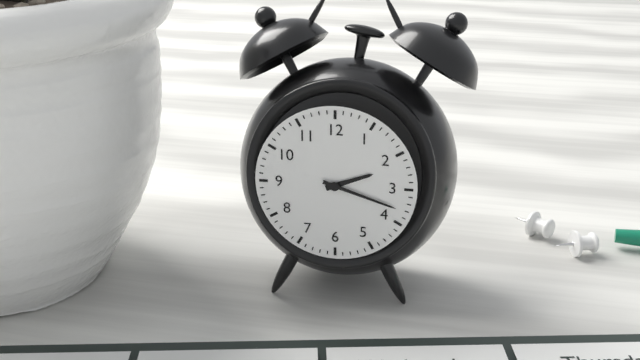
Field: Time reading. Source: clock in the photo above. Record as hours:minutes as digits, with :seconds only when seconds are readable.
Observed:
2:18
